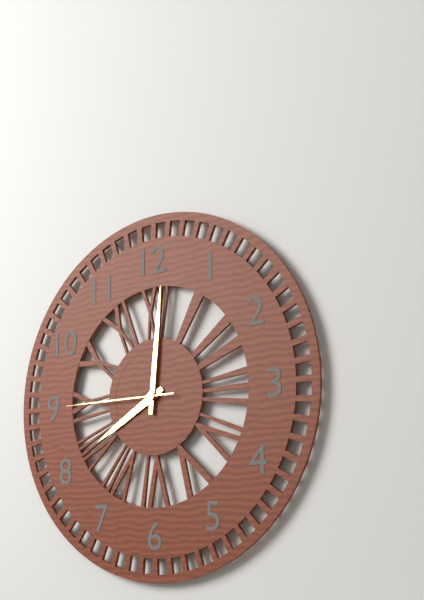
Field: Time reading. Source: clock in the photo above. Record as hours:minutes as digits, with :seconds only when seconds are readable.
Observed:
8:01:45
